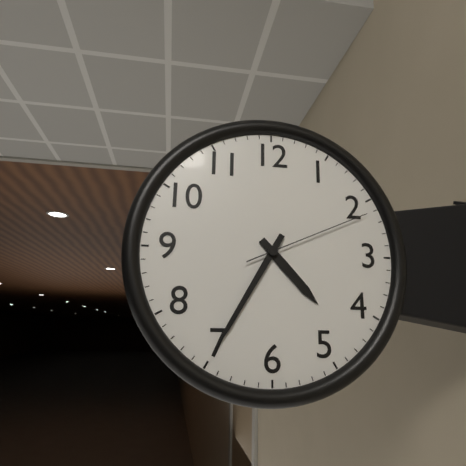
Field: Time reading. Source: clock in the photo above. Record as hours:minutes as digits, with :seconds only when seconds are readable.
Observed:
4:35:11
